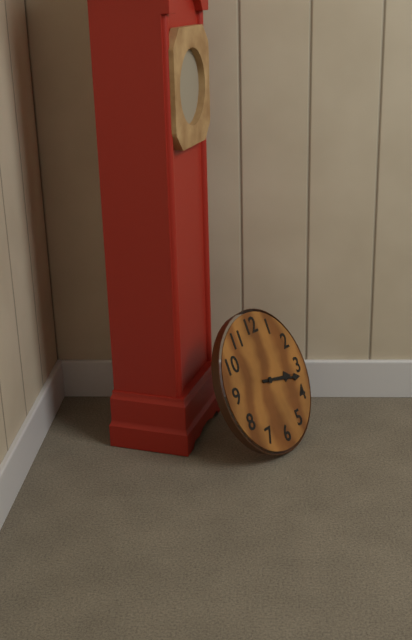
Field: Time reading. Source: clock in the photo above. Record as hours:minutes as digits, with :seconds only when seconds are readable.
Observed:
3:17
